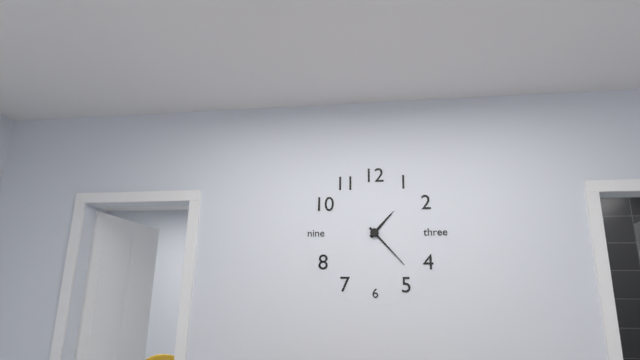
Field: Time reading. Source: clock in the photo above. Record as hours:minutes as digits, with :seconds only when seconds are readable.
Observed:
1:23
